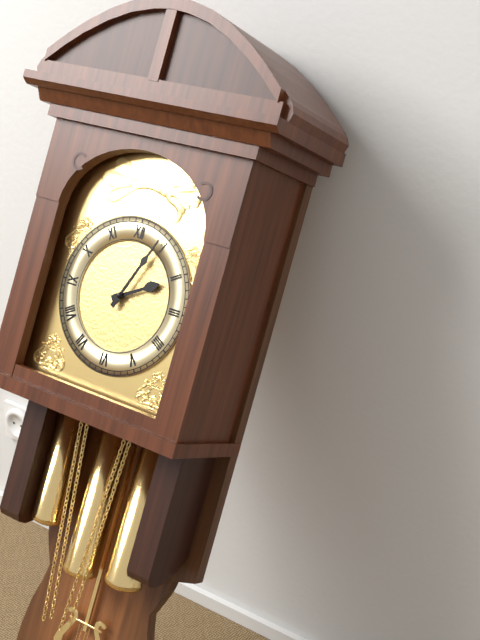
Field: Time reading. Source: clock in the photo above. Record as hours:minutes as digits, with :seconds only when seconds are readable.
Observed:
2:04
